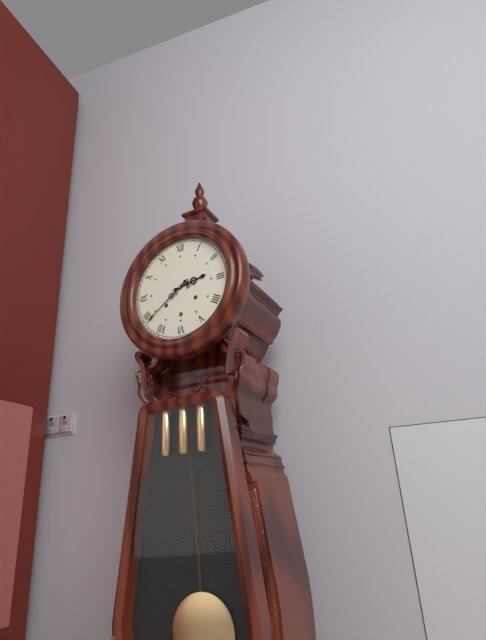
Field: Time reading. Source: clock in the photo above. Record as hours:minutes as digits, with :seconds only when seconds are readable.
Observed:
2:39
